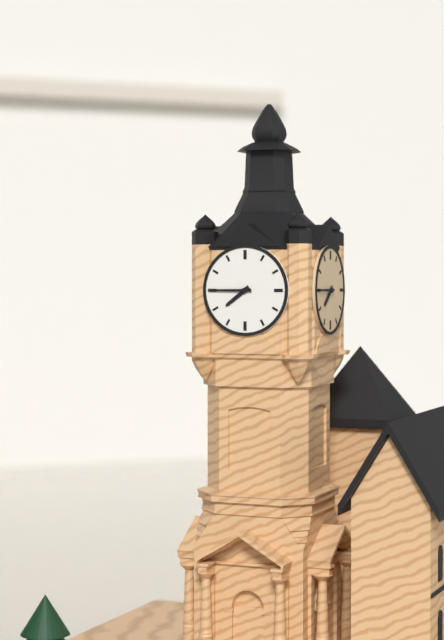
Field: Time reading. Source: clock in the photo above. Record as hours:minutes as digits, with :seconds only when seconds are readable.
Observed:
7:45
